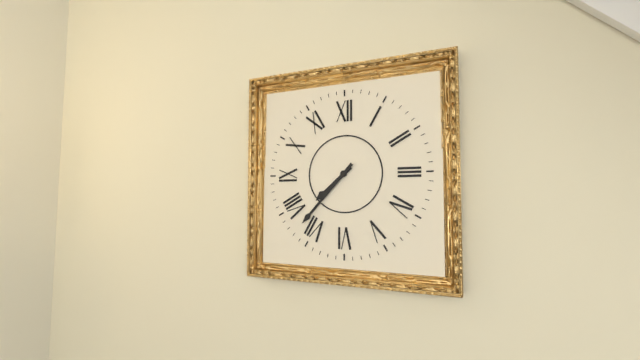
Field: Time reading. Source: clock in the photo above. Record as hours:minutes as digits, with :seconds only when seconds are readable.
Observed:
7:37
